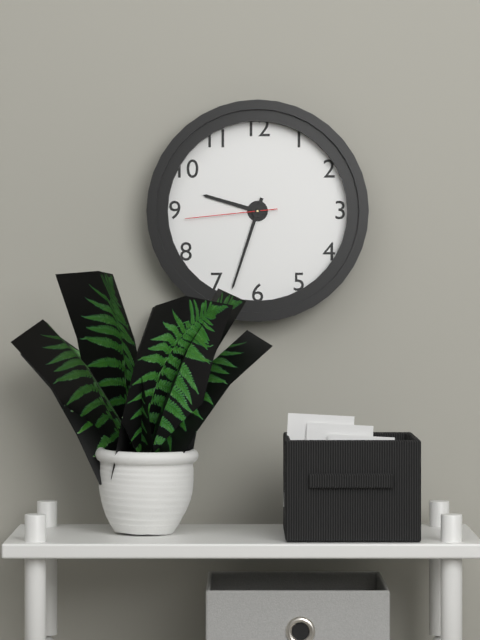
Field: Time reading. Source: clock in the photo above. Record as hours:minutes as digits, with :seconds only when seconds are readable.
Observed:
9:33:44
